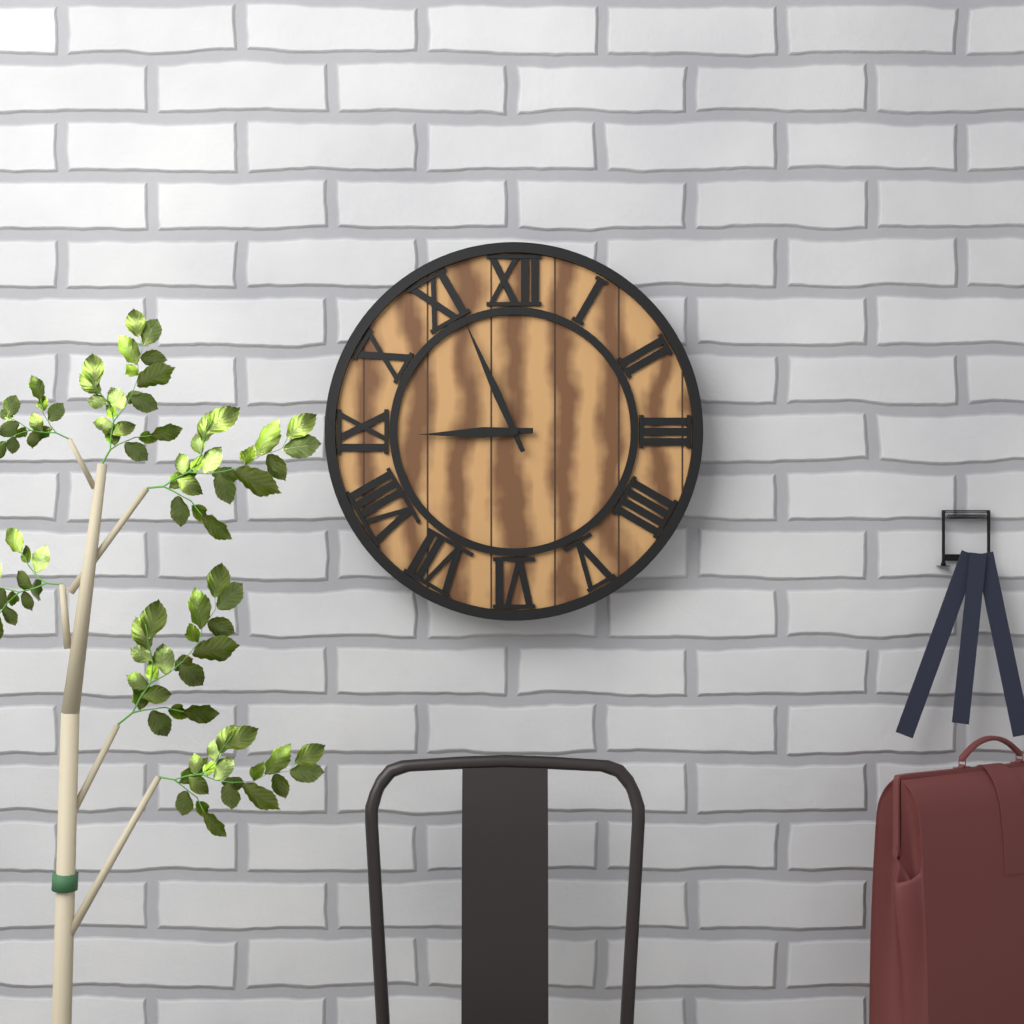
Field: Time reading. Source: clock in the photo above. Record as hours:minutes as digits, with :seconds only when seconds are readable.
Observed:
8:56
